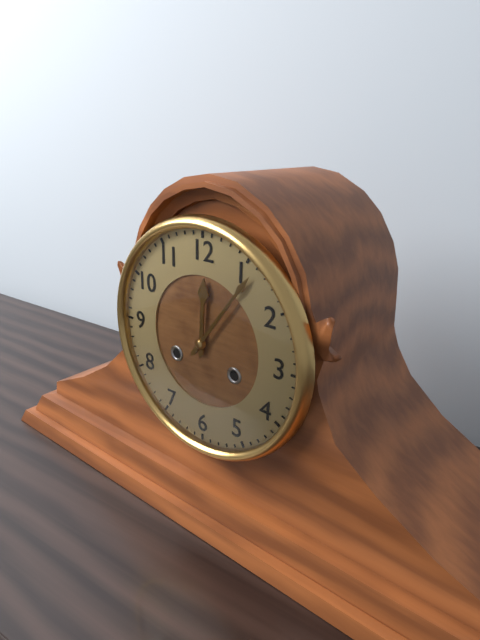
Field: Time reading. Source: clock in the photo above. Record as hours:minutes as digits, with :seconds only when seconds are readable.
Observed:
12:06
